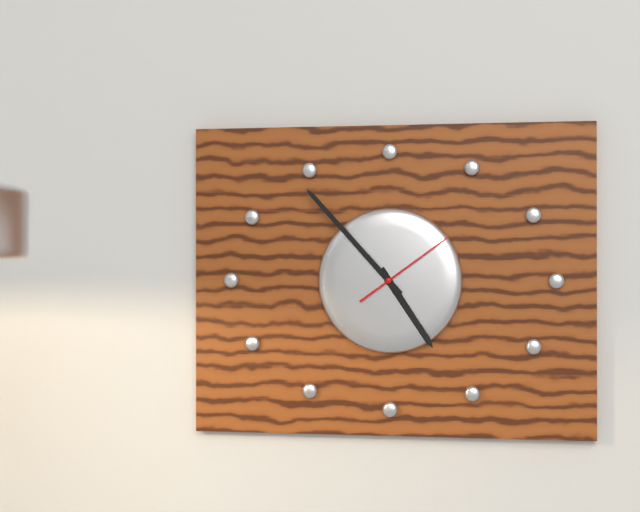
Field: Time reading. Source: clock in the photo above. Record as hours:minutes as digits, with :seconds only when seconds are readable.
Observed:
4:53:09
